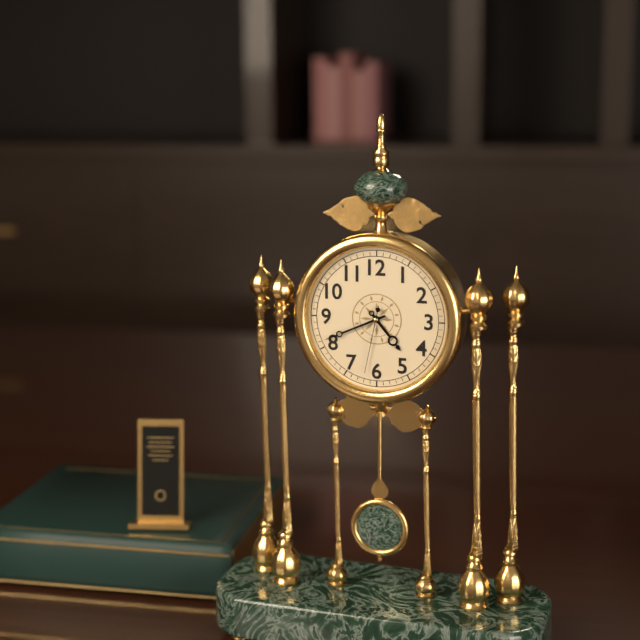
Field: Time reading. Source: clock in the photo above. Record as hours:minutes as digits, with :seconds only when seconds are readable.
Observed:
4:41:32
